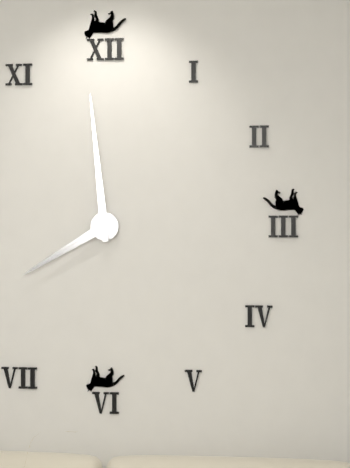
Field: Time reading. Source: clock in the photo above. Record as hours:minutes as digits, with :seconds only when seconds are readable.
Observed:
7:59
